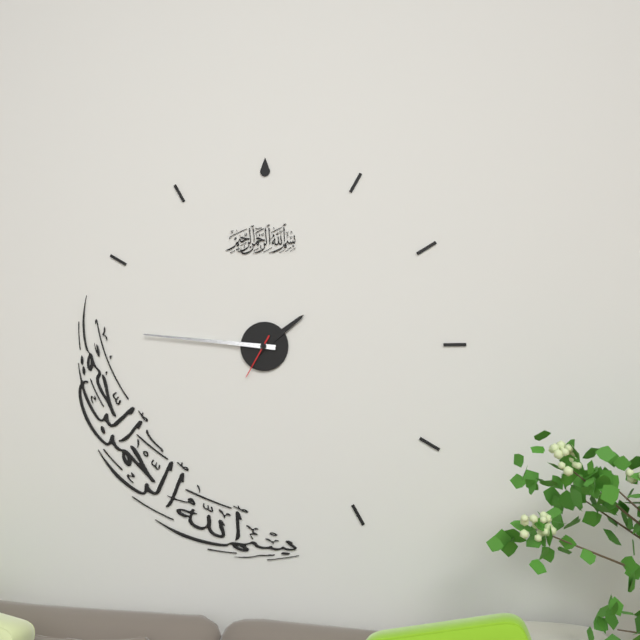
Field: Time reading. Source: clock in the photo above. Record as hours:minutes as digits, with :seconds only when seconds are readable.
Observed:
1:46
